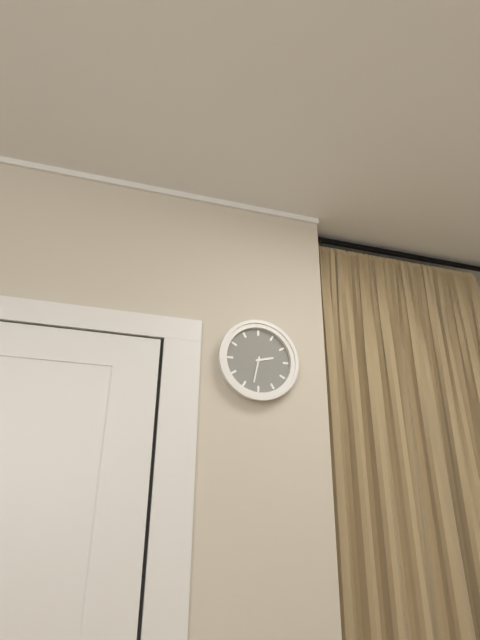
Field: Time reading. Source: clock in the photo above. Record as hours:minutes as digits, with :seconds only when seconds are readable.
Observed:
2:32
